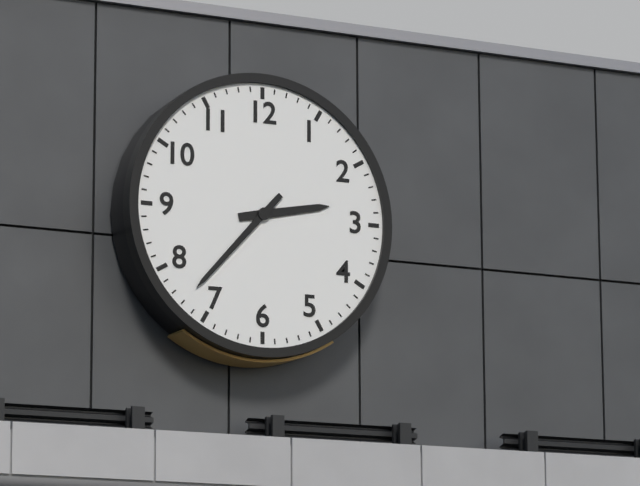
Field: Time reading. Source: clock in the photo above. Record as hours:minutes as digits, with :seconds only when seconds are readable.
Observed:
2:37
